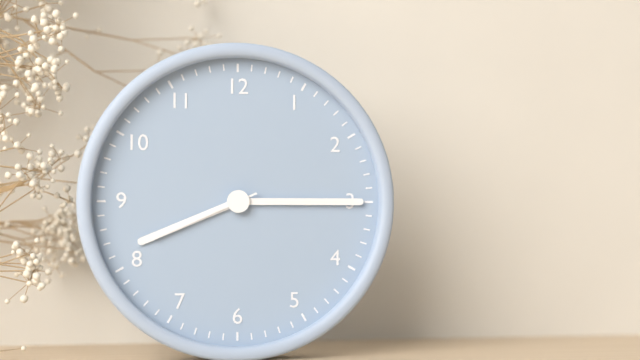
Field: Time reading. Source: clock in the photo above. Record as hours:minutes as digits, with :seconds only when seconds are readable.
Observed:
8:15:41
